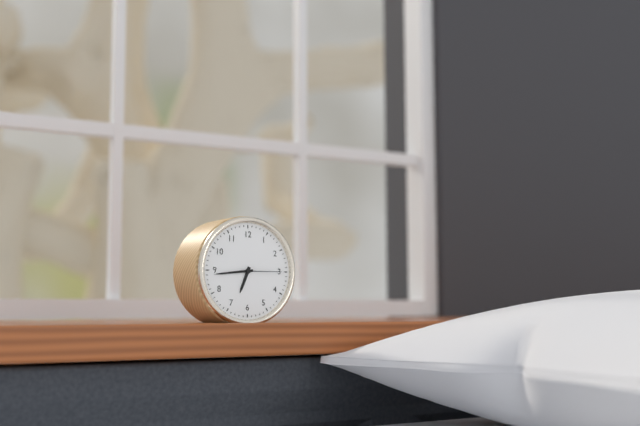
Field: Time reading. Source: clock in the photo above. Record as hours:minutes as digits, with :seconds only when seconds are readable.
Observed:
6:44
